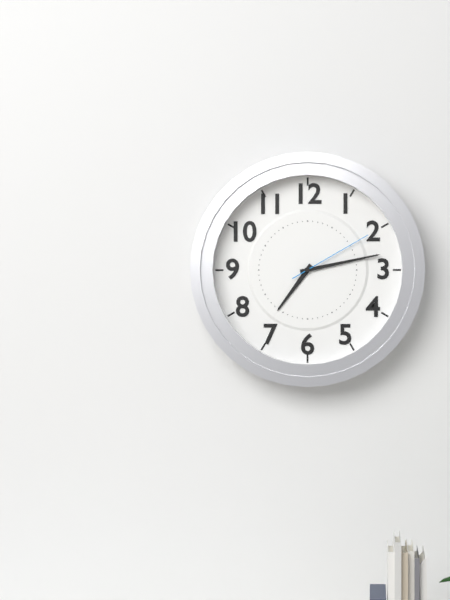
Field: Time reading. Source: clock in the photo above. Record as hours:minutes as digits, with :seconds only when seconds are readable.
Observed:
7:13:10
